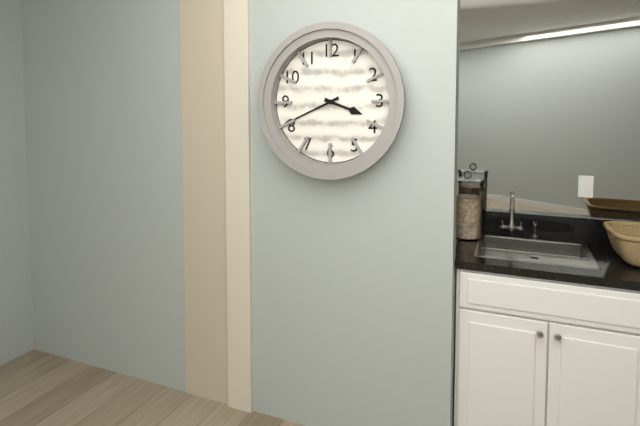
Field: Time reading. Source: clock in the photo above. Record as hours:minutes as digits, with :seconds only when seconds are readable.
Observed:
3:41
